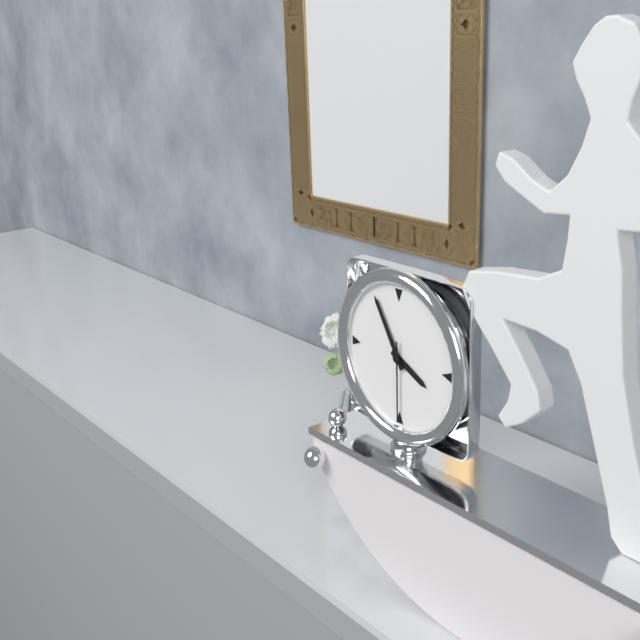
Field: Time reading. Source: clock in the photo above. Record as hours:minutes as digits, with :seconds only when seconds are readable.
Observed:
3:55:30
